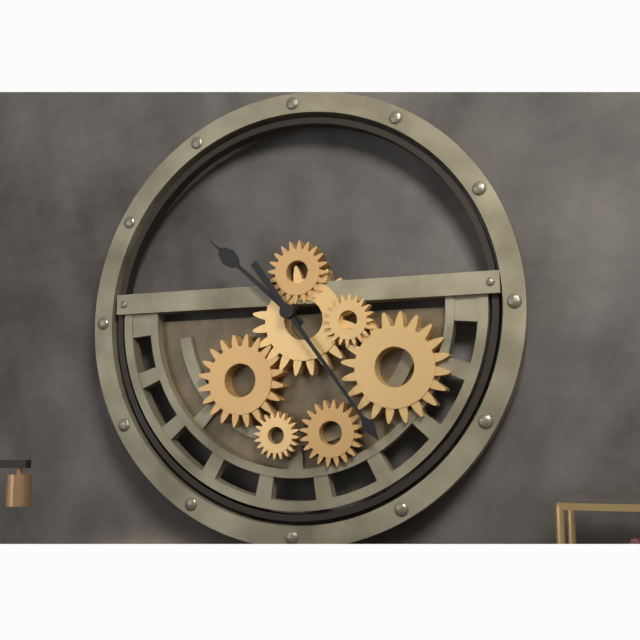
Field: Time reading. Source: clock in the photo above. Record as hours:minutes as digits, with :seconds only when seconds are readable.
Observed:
10:24
